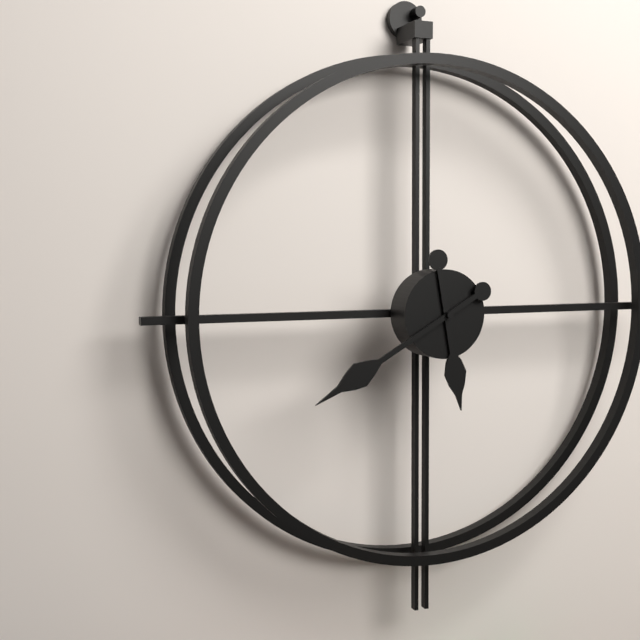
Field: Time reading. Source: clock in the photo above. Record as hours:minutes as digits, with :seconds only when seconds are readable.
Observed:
5:40
